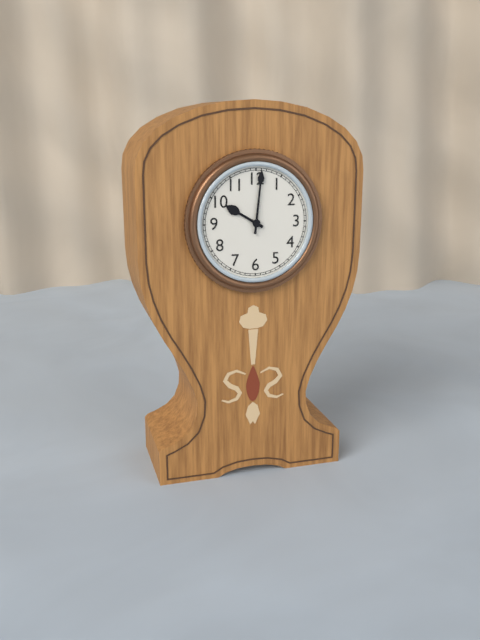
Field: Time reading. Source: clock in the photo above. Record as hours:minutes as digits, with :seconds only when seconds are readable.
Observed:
10:01
